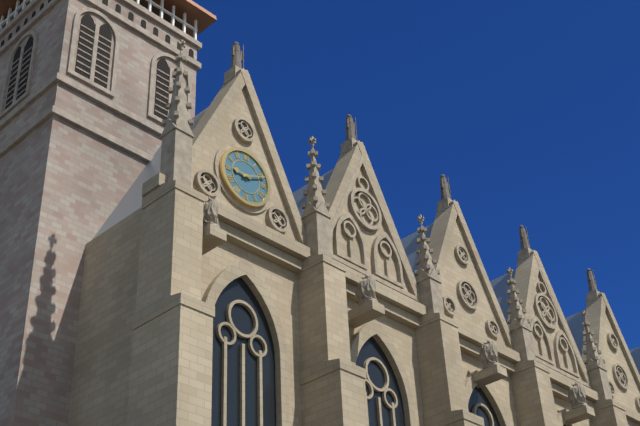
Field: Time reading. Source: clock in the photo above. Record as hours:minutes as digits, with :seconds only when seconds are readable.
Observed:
9:11
